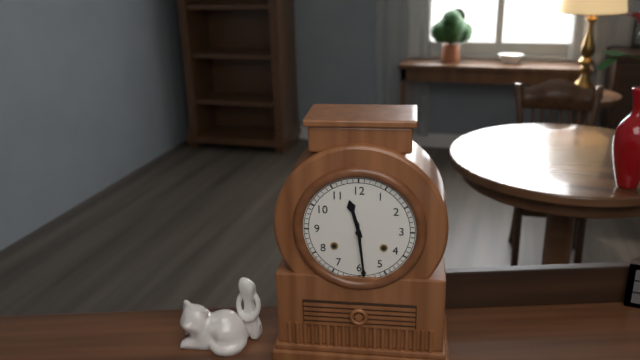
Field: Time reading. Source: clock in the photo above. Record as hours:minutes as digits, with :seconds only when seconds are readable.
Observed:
11:29
